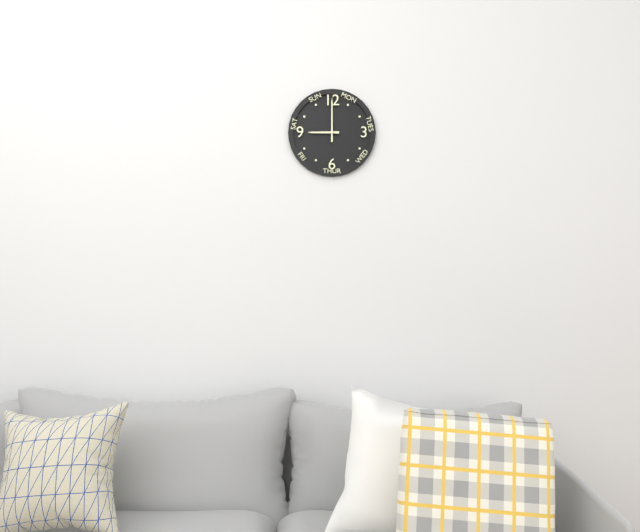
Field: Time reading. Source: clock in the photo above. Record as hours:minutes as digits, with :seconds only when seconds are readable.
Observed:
9:00
